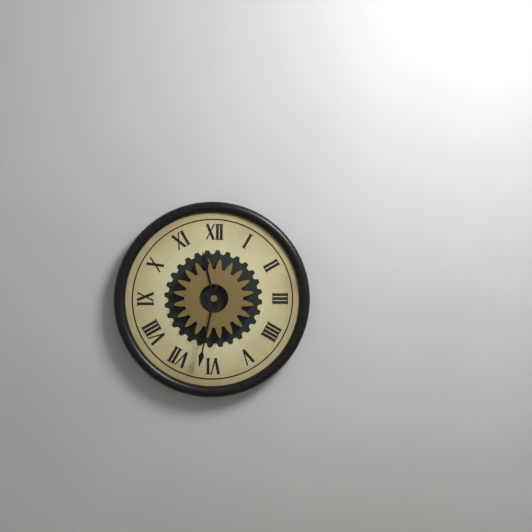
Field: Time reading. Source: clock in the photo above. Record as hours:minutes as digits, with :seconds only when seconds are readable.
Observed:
11:32
